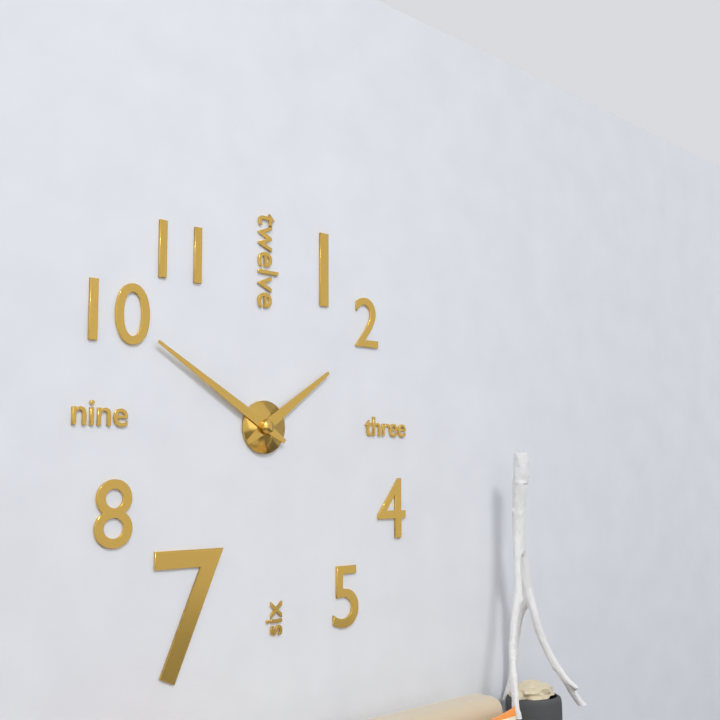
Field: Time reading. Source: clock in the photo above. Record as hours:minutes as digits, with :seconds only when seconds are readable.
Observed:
1:50
